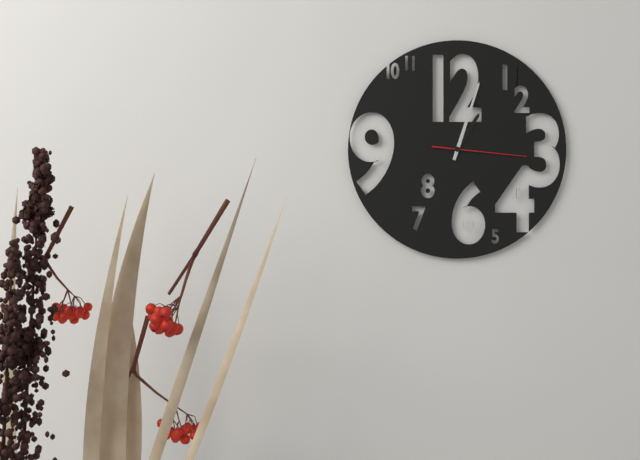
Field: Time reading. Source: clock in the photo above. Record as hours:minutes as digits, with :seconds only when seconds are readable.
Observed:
1:03:16
